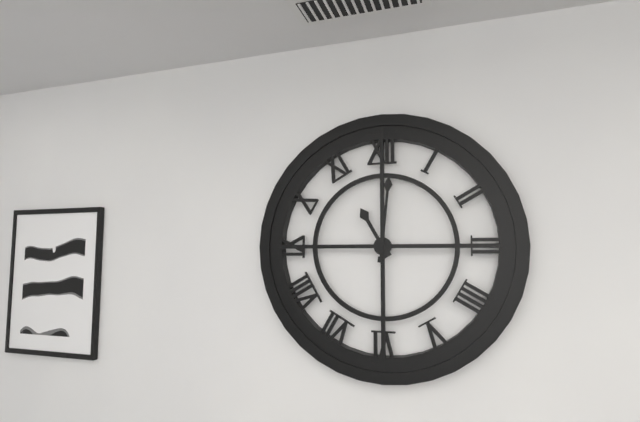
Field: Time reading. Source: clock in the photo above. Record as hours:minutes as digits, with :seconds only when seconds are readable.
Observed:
11:01
